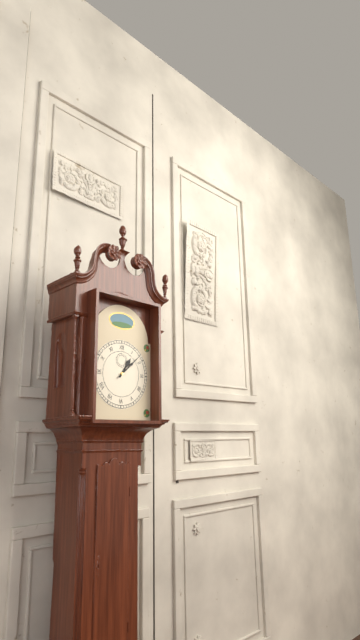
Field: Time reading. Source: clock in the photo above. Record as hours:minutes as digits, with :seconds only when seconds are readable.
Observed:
1:08
